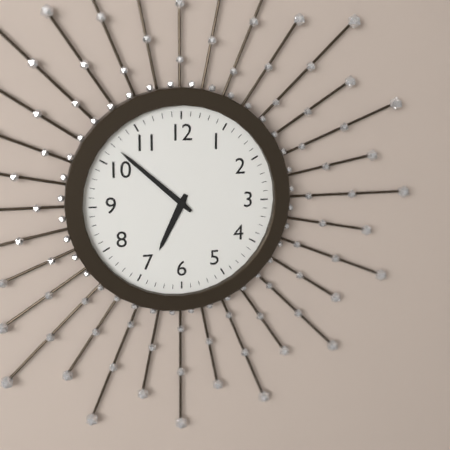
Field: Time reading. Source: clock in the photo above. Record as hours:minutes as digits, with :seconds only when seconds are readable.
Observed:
6:52
